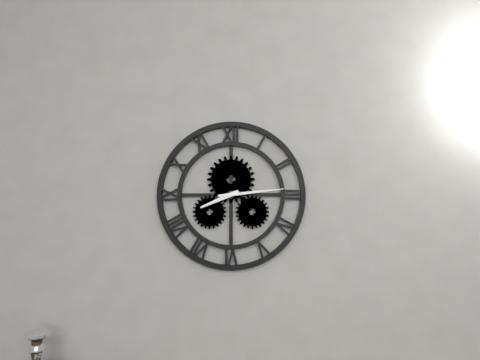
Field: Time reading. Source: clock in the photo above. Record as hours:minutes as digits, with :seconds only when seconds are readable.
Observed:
8:14
